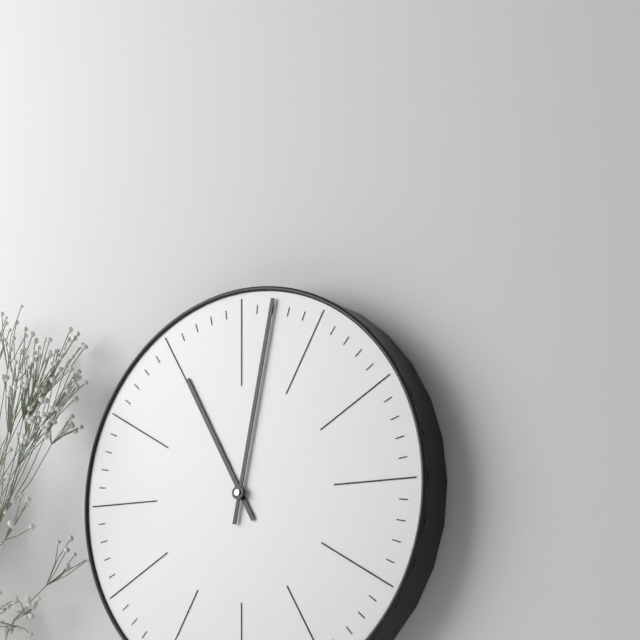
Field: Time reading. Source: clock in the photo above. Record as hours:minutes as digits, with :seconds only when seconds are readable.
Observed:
11:02
